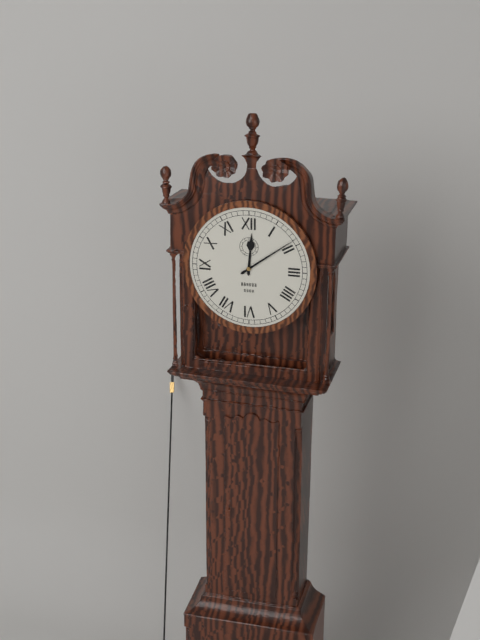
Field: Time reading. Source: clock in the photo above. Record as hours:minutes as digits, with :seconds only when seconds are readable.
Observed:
12:09
